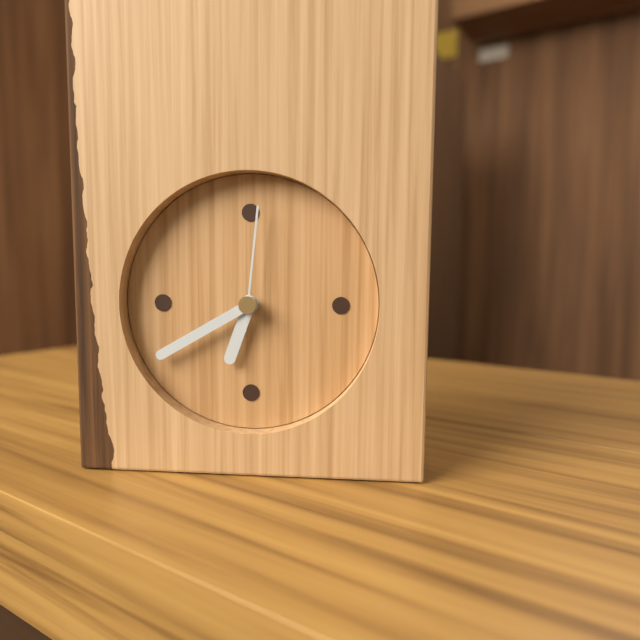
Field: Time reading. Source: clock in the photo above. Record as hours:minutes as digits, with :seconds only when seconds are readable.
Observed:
6:40:01
